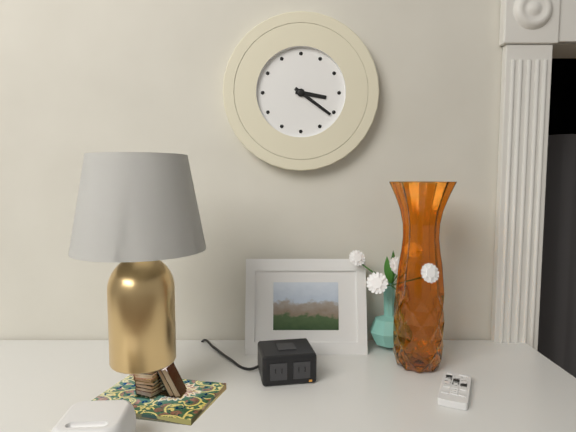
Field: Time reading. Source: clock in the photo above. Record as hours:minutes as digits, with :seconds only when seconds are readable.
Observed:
3:21
